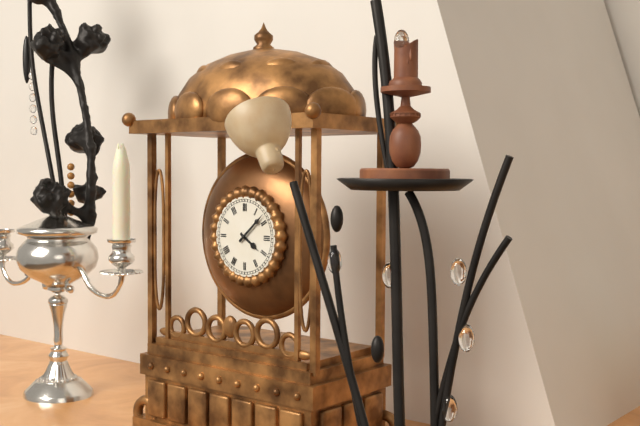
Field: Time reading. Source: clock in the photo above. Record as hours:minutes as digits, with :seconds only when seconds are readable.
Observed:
4:08
